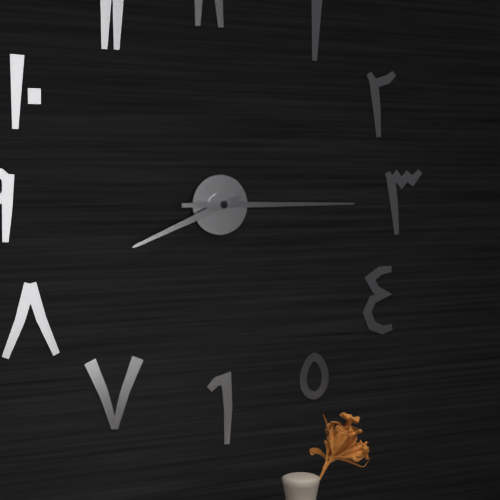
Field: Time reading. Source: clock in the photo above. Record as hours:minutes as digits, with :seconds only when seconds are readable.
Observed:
8:15
